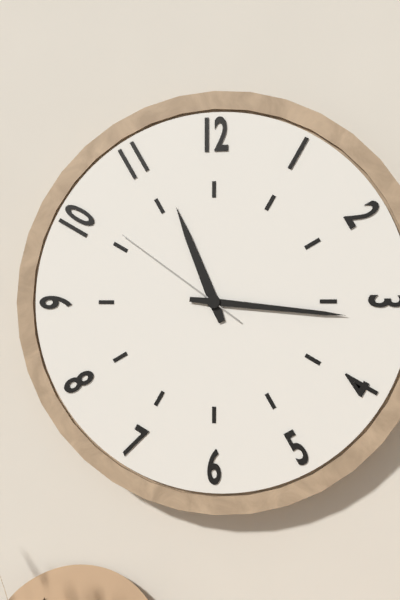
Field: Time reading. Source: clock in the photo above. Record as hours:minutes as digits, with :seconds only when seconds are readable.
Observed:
11:16:51
